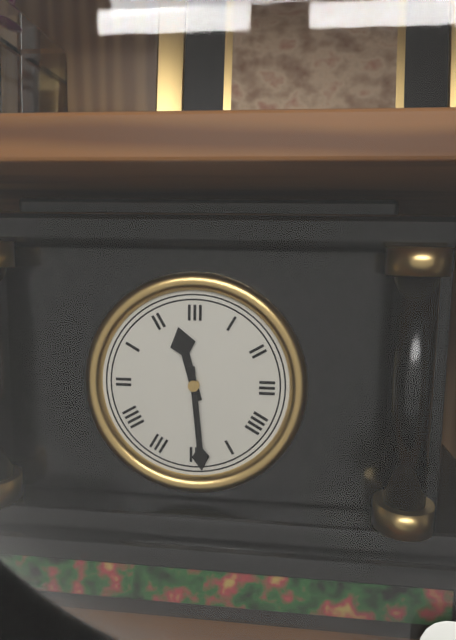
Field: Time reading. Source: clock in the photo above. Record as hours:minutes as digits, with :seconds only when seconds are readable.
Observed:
11:29
